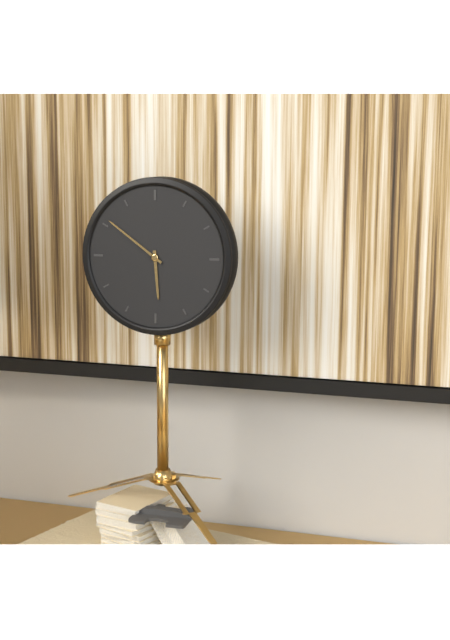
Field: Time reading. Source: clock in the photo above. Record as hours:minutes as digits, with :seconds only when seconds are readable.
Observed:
5:51
